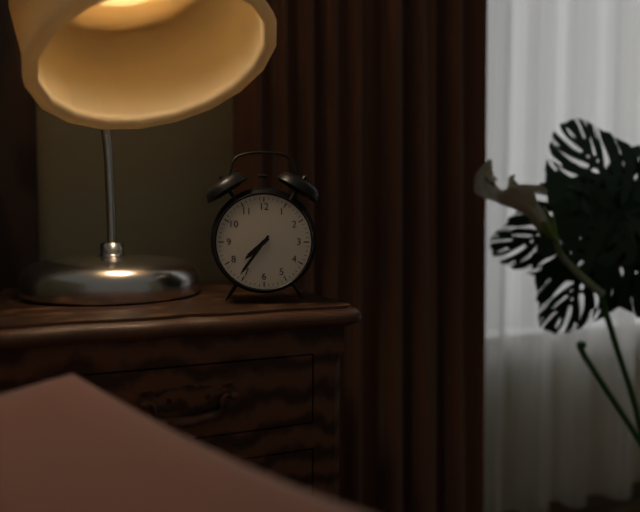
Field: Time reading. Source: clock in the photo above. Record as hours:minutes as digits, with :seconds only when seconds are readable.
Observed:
7:36
